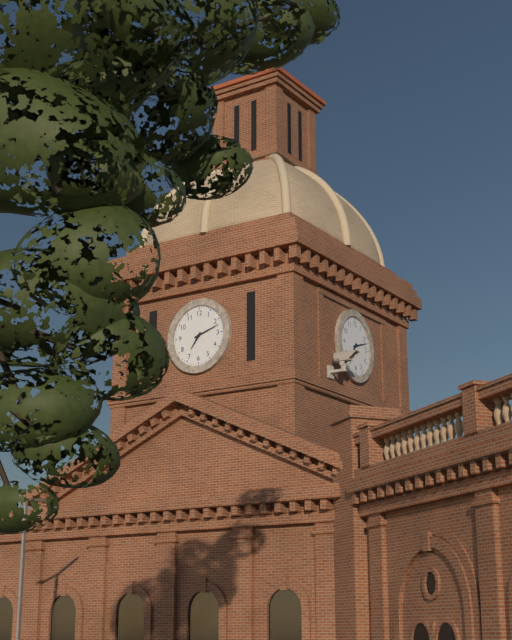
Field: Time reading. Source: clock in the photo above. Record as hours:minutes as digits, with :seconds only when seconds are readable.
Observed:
7:12
